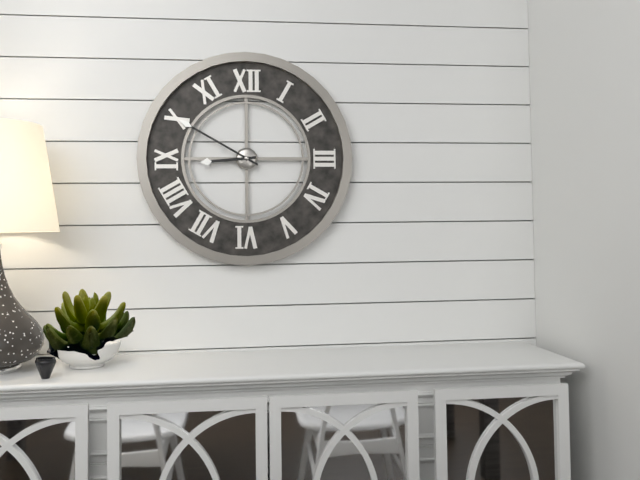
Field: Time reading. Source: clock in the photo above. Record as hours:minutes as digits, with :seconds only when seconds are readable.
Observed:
8:50
